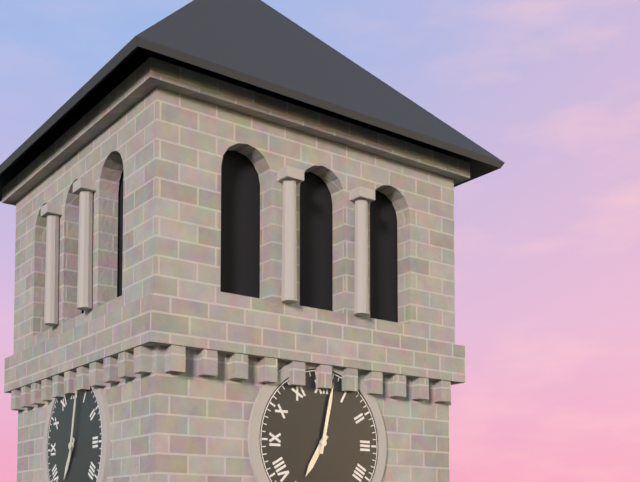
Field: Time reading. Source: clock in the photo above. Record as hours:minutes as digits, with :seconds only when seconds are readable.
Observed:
7:02
